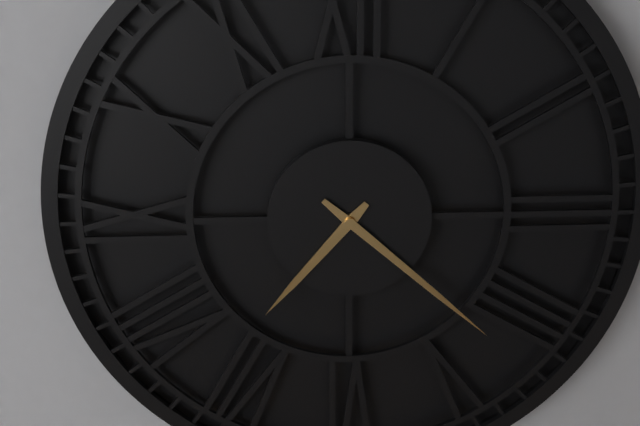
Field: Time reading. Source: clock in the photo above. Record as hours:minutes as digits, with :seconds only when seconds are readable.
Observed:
7:22
